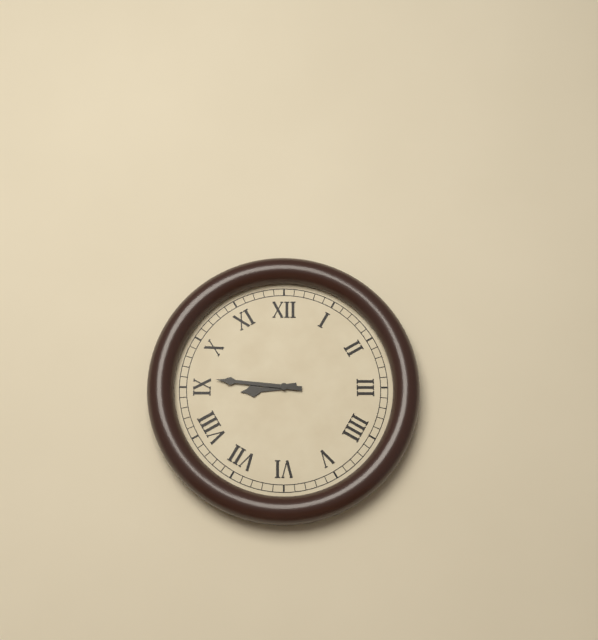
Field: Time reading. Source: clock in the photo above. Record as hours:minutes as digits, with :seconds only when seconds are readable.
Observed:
8:46
